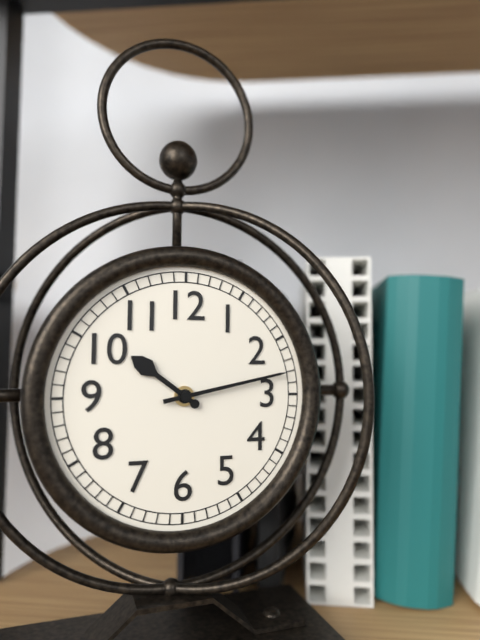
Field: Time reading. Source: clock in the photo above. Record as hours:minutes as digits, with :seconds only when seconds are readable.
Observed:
10:13
